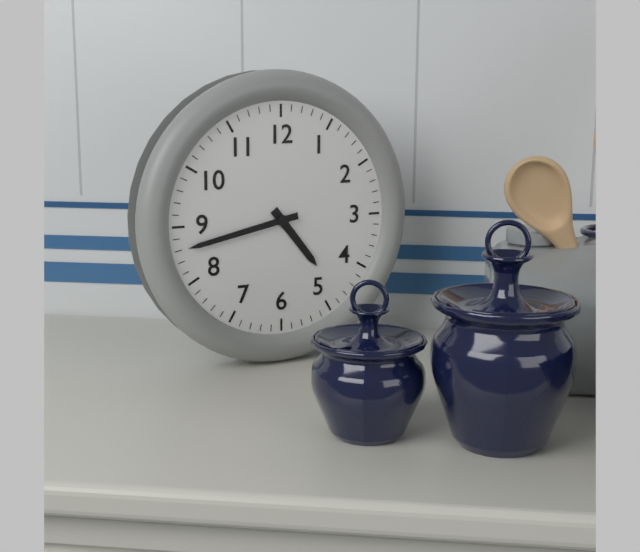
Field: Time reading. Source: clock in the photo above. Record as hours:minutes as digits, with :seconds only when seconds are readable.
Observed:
4:43
